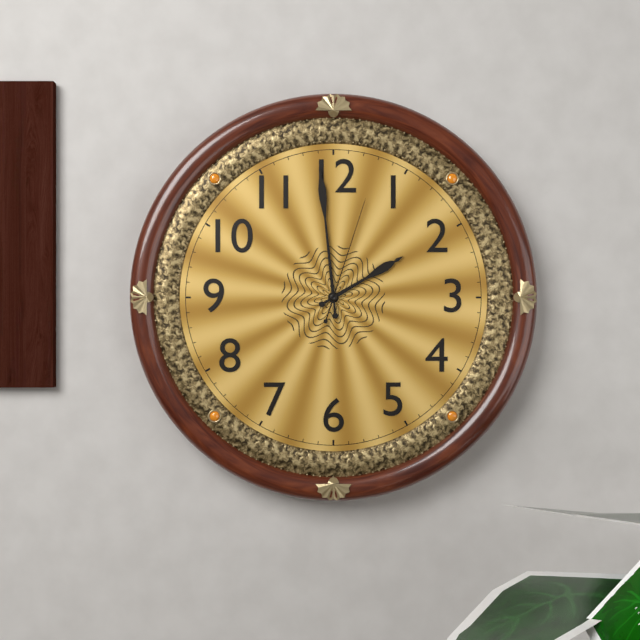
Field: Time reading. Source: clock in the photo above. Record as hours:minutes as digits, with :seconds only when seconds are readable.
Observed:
1:59:03
